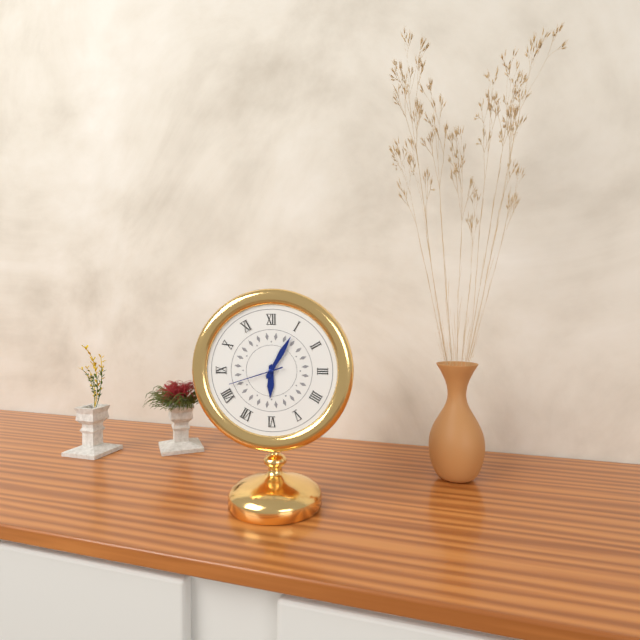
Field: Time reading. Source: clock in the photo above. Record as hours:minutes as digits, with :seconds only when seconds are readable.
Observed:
6:05:42
